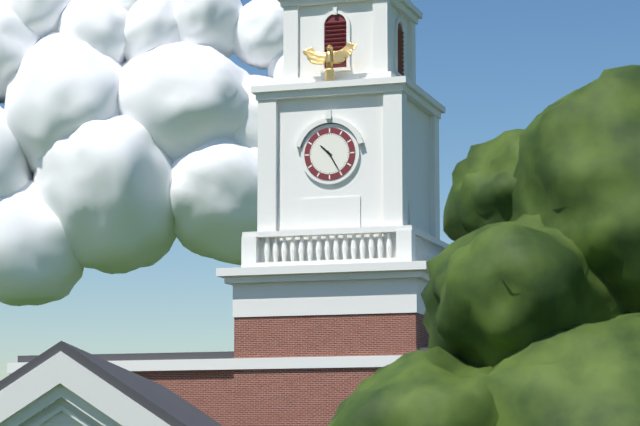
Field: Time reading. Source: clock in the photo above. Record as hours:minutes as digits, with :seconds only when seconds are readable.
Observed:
10:25
